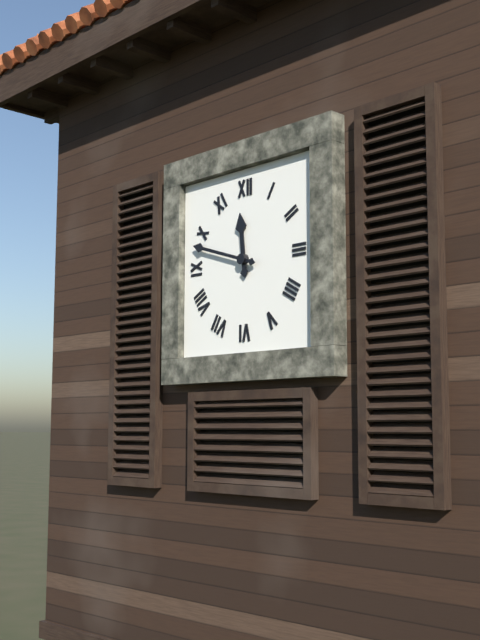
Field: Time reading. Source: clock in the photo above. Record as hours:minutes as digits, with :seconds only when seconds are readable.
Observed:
11:48
